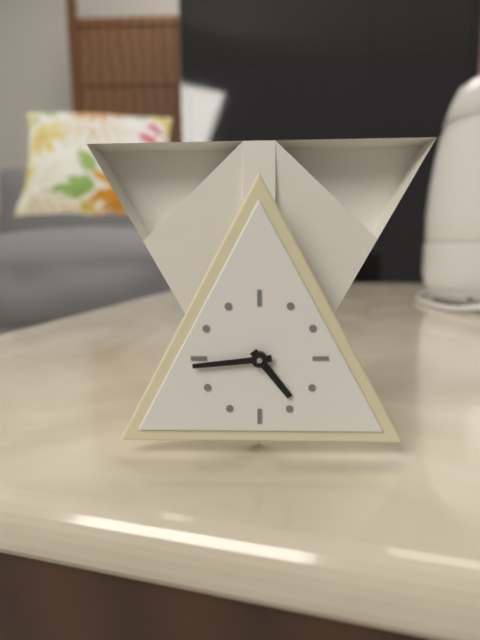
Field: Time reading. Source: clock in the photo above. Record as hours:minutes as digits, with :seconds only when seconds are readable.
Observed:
4:44
